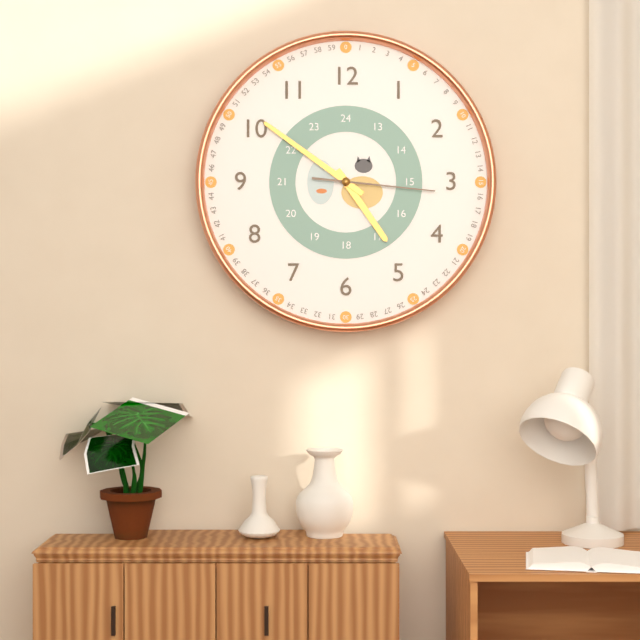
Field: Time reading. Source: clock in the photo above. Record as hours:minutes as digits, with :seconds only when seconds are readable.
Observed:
4:51:16
